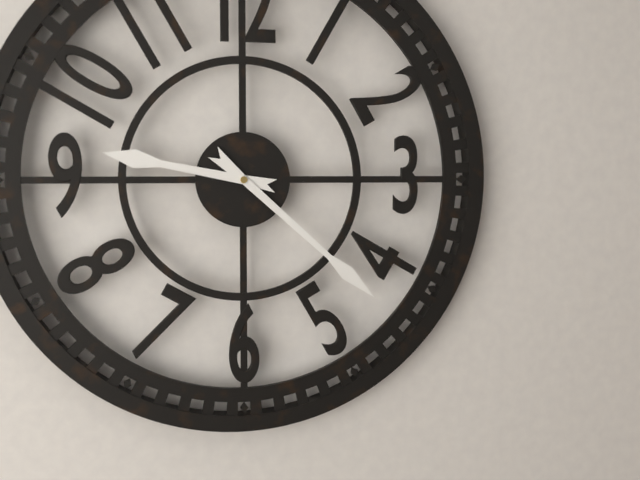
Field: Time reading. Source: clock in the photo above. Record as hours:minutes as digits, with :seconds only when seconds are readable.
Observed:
9:22
